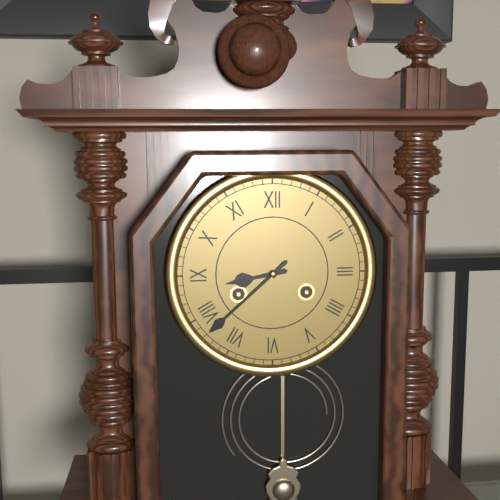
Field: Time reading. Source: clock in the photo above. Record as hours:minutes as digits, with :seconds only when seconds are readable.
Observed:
8:38
